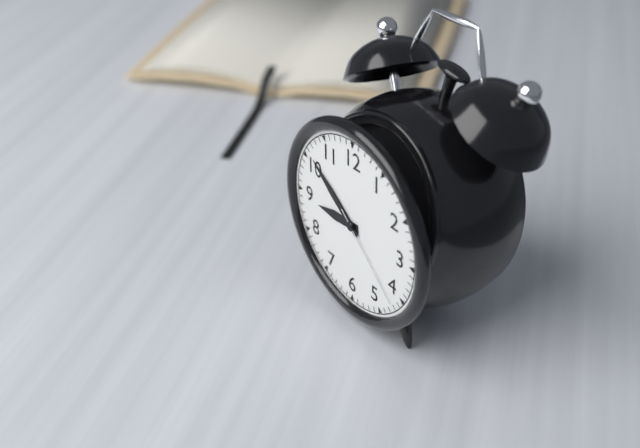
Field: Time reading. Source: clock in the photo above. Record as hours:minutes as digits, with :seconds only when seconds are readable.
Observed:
8:51:22
